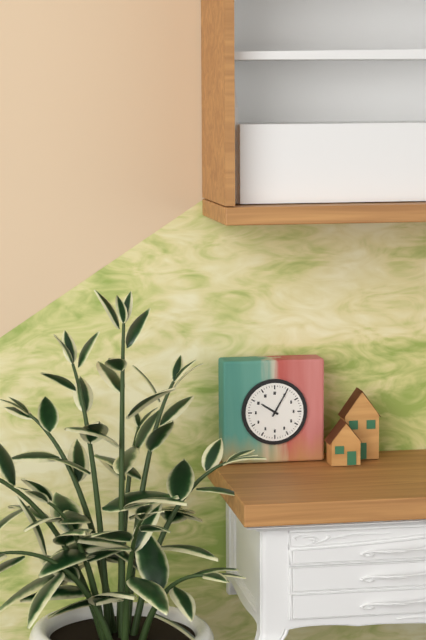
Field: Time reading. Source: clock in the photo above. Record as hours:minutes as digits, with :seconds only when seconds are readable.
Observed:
10:05
